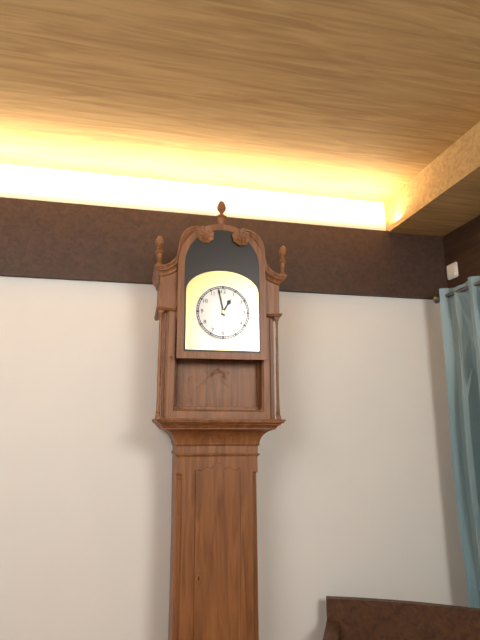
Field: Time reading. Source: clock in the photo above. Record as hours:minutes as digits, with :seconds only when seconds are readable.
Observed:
12:58
